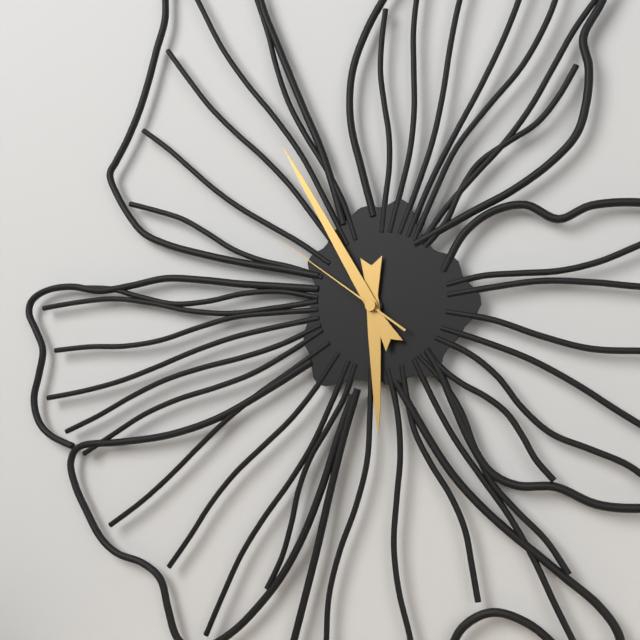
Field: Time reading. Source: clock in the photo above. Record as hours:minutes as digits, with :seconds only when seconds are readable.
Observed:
5:55:51
